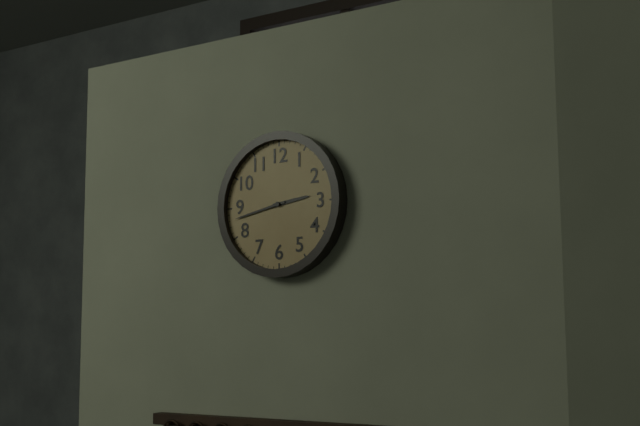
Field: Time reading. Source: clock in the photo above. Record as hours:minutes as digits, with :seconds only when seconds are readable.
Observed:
2:43
